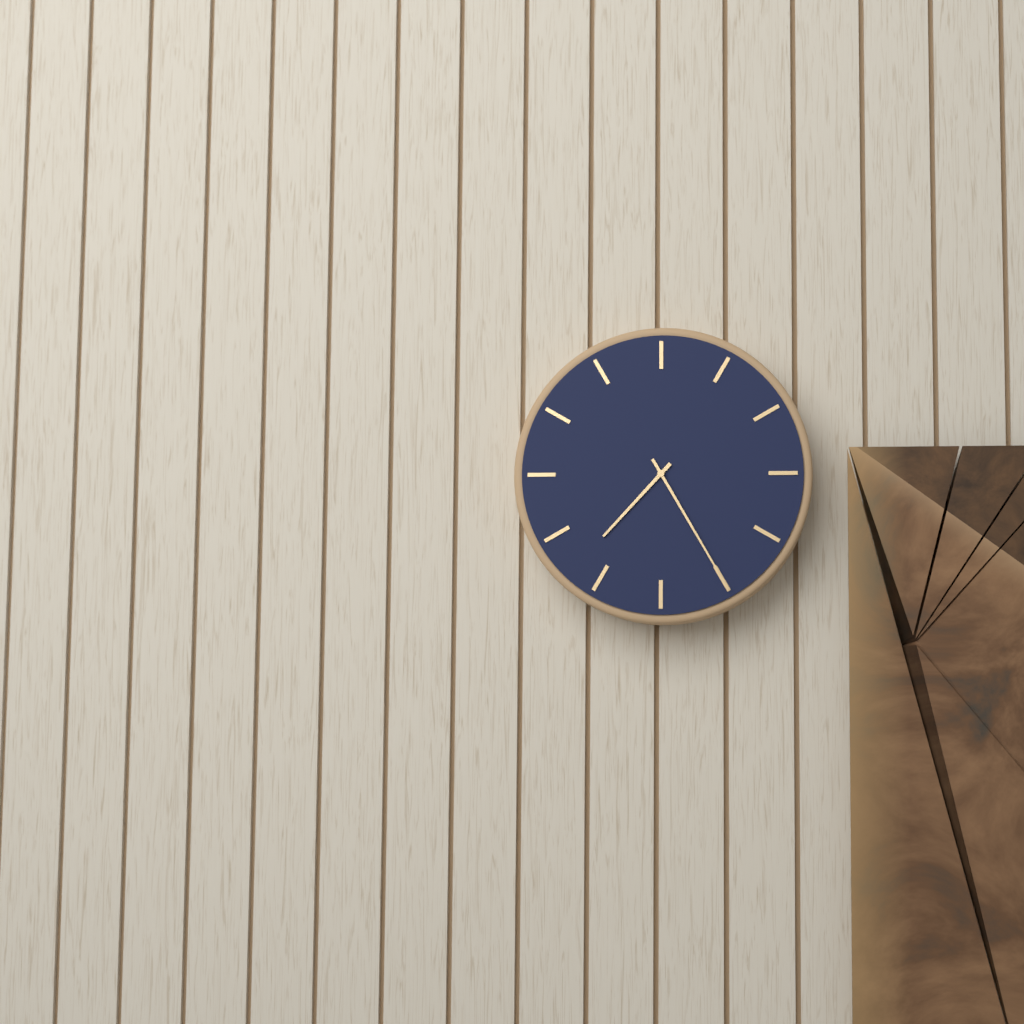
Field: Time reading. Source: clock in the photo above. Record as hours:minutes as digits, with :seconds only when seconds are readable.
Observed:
7:25
